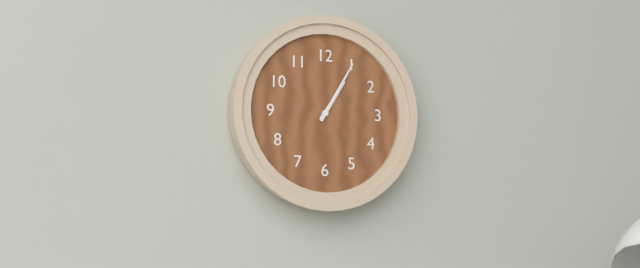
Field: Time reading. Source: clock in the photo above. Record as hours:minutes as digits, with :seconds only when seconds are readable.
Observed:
1:05
